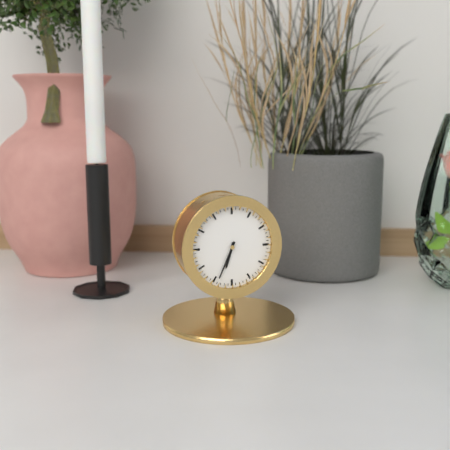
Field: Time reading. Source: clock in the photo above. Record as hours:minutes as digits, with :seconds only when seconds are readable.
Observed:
6:34
